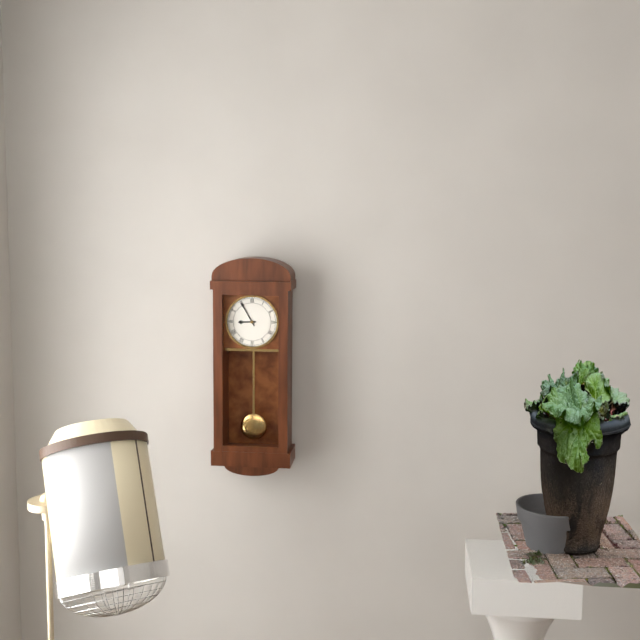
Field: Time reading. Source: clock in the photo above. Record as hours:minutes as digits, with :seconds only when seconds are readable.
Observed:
8:55
